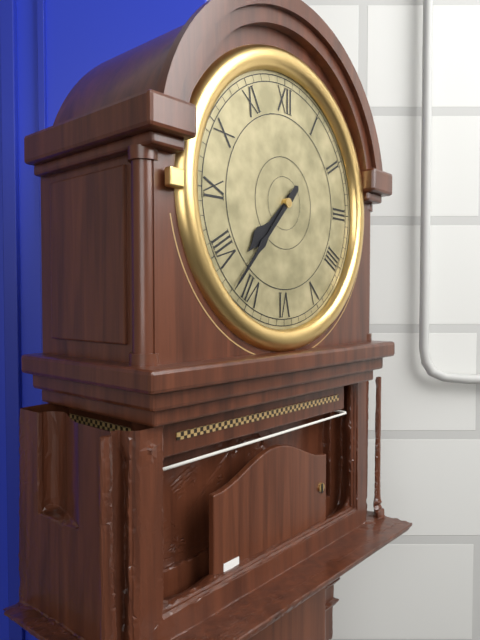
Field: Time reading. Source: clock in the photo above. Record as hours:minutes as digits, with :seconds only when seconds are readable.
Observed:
7:37
